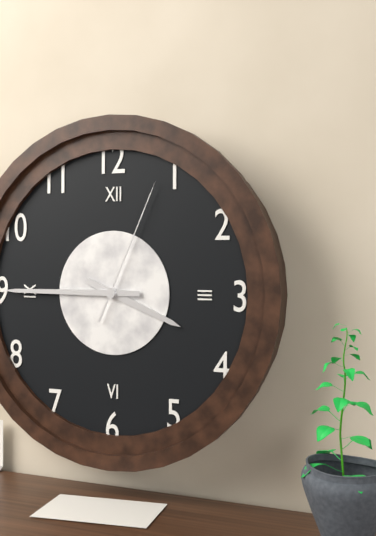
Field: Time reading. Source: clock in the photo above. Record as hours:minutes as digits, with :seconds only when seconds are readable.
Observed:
3:45:04
